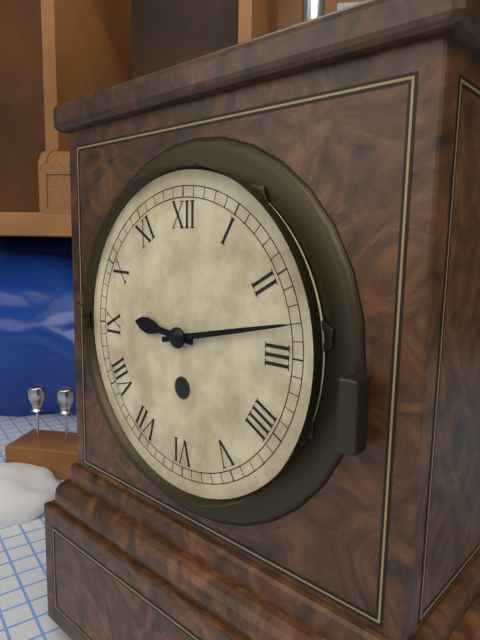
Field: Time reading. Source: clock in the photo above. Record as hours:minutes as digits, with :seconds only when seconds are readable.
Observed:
9:13
